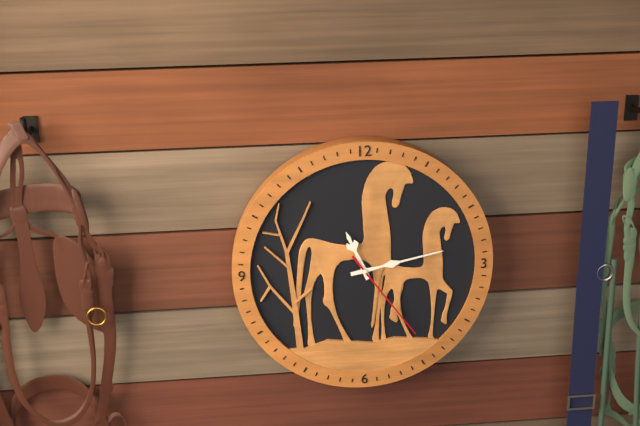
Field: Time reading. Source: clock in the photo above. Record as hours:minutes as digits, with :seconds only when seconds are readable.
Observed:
11:13:24
